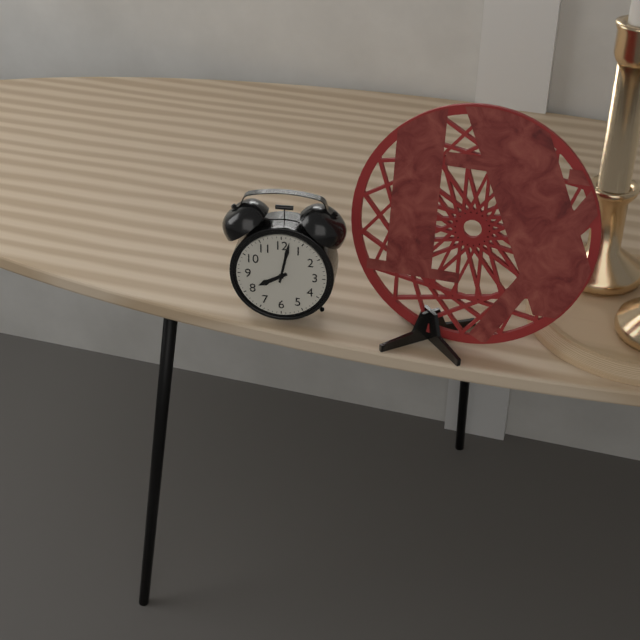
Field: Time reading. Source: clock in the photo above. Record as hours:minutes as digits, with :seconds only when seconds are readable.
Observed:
8:02
